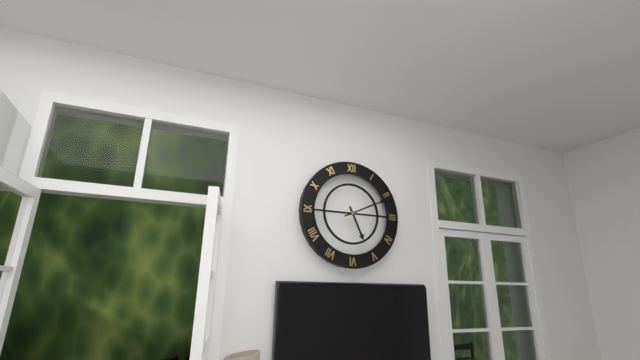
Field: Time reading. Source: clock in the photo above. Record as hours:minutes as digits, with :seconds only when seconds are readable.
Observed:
5:11
